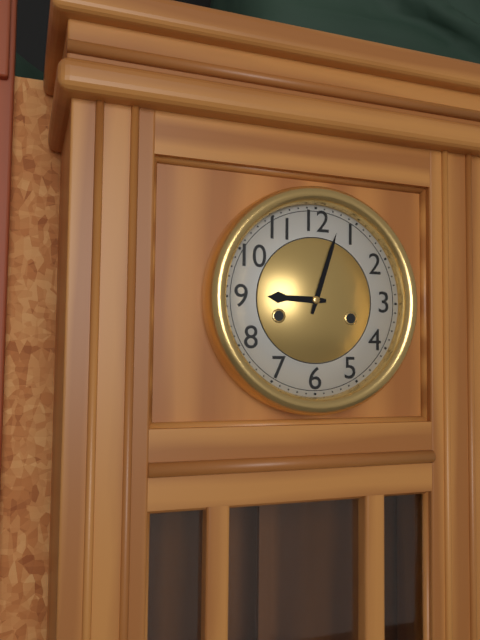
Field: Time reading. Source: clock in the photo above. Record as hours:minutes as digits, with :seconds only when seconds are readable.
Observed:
9:03
